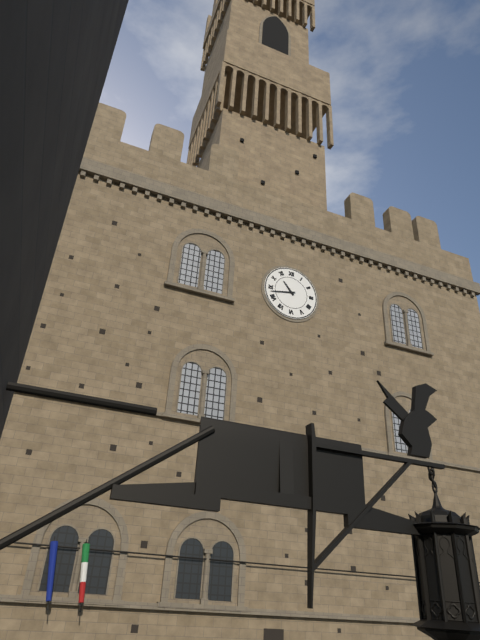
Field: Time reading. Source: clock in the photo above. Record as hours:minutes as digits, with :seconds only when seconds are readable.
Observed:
10:43
